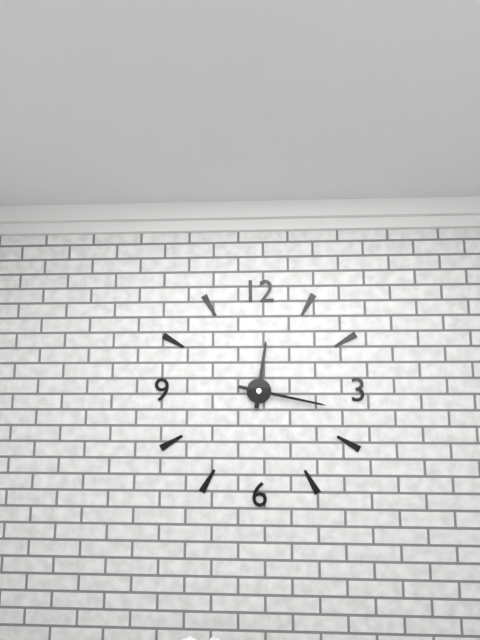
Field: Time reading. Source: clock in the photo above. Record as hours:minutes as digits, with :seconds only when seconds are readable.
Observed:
12:17
